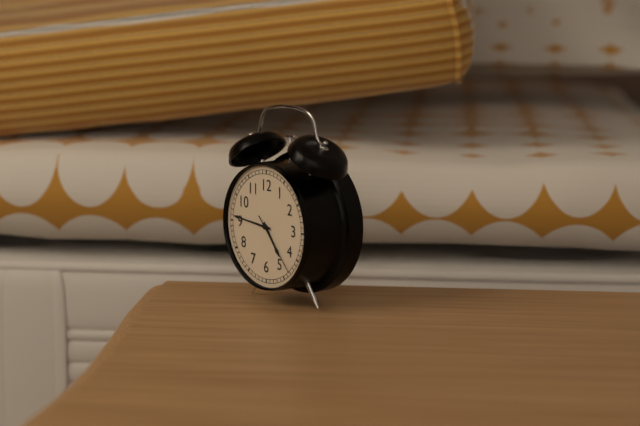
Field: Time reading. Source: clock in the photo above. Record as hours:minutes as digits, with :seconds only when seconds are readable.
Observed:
4:46:23
